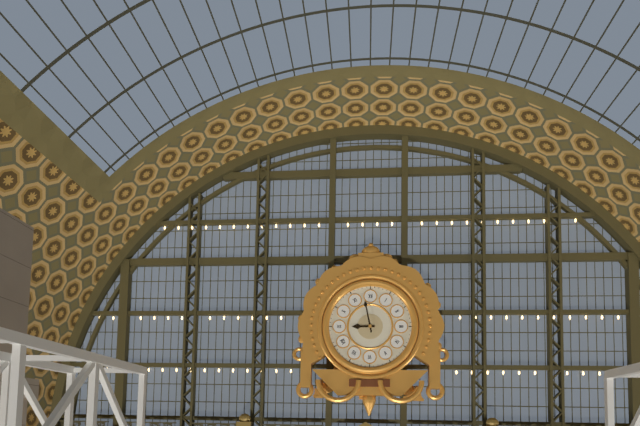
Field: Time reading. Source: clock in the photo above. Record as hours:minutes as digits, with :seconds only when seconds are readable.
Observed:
8:58
